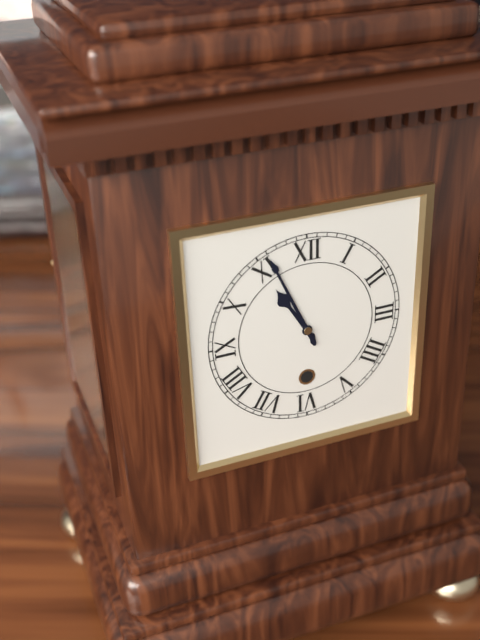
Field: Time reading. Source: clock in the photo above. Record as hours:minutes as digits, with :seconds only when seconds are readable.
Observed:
10:56
